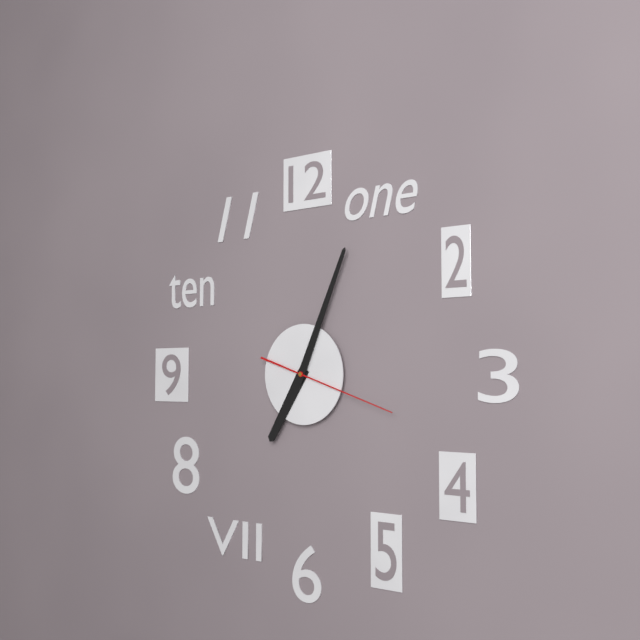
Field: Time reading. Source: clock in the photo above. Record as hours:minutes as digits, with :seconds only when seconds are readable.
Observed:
7:04:18
